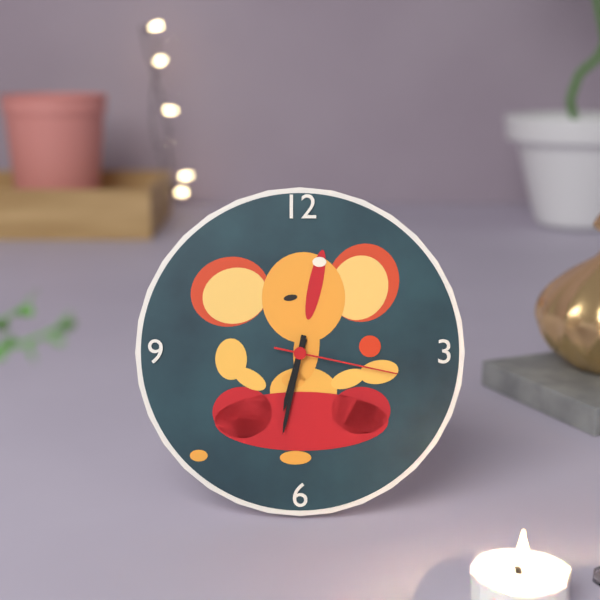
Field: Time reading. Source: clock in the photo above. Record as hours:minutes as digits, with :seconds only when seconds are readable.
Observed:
6:32:17
